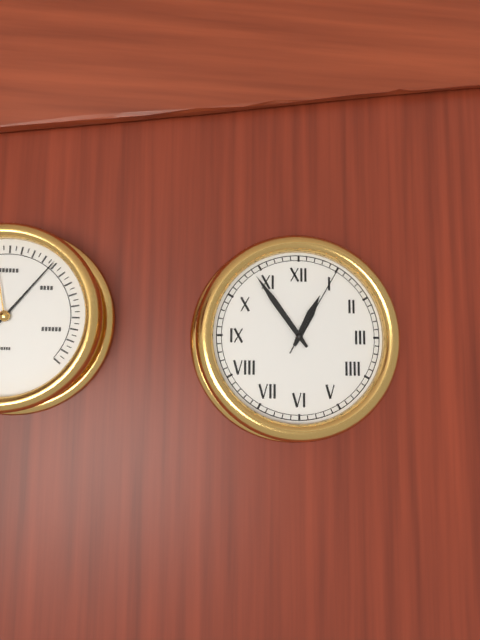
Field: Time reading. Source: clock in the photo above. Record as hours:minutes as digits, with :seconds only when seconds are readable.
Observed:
12:54:05
